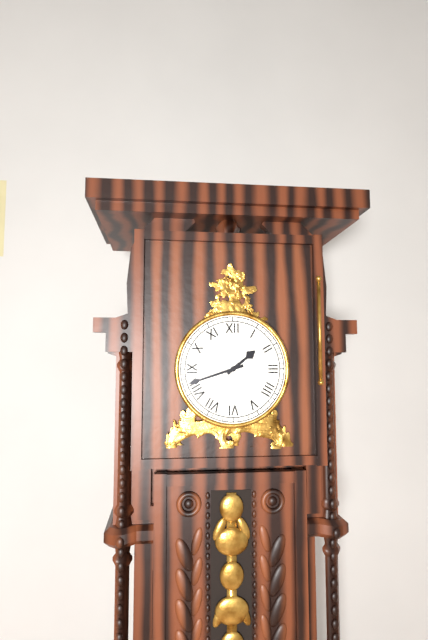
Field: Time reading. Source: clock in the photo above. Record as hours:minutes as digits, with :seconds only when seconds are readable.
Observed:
1:42
